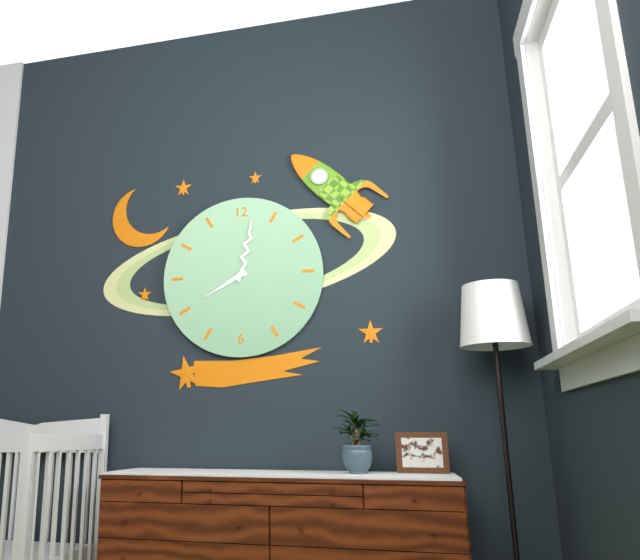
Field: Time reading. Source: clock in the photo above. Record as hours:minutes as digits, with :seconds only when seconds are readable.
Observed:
8:02
